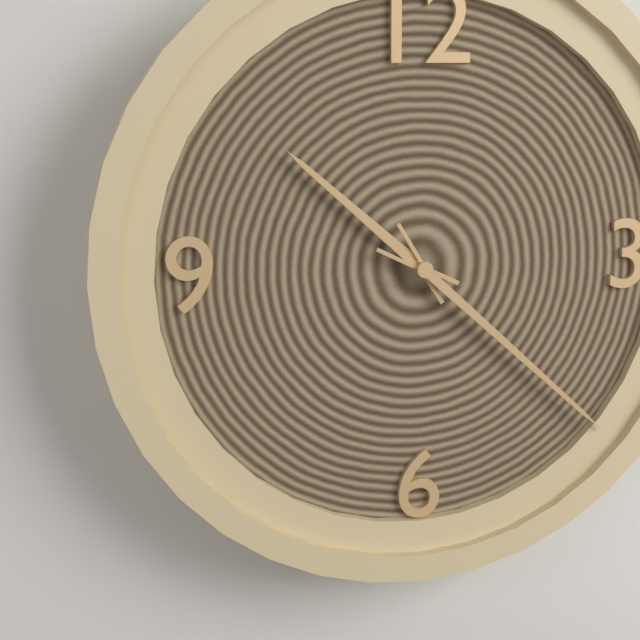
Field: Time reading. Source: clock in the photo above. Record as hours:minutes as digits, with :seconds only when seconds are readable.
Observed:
10:22
